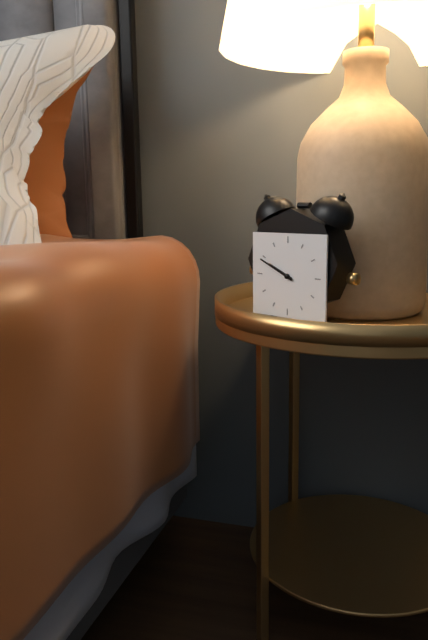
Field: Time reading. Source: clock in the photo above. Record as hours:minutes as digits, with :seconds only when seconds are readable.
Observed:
9:49
